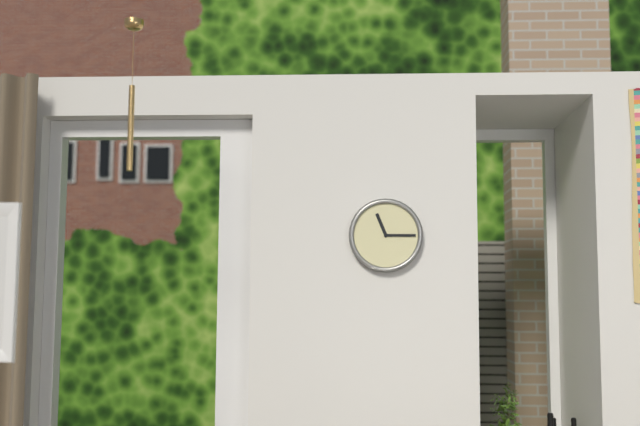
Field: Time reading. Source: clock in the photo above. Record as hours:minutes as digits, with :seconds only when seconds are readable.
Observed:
11:15
